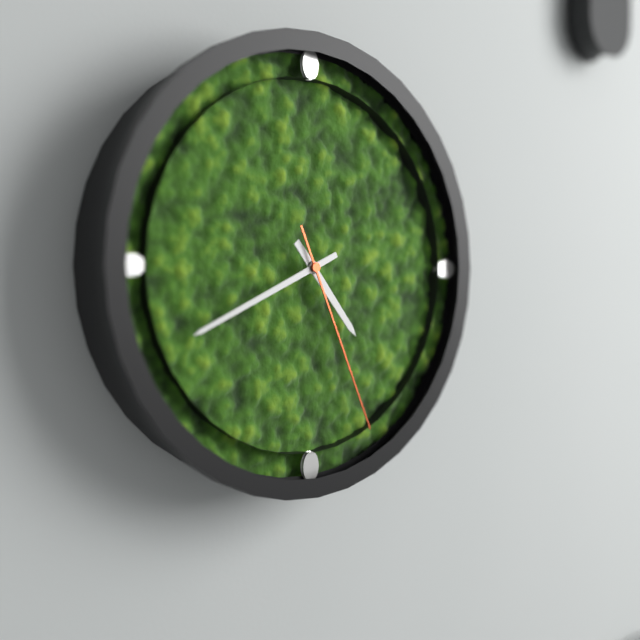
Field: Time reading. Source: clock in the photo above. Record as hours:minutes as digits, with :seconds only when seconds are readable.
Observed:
4:41:26
